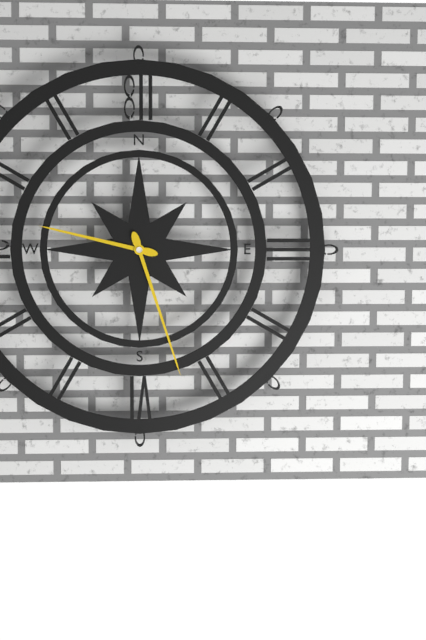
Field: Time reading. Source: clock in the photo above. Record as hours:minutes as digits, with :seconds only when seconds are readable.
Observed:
9:27
